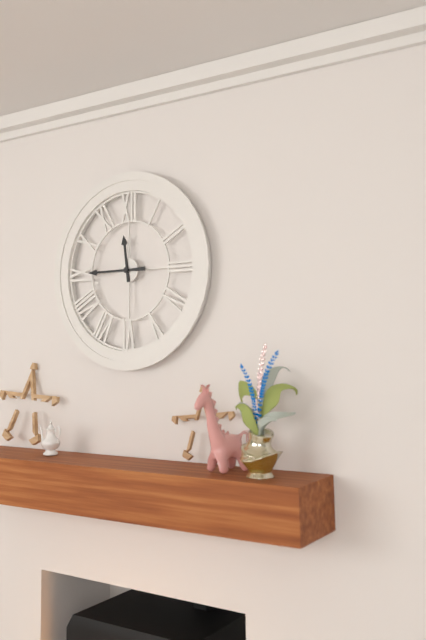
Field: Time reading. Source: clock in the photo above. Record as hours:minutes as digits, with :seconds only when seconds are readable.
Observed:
11:45
